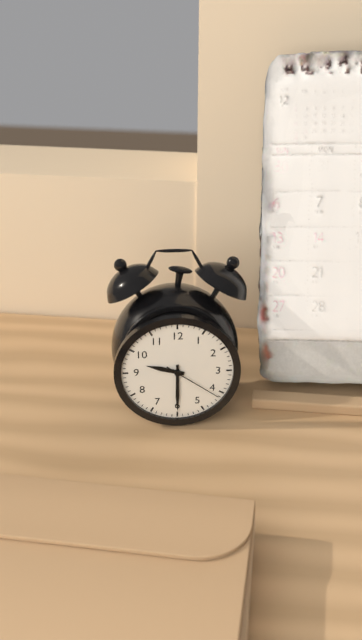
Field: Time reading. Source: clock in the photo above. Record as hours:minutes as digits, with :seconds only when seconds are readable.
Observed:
9:30:21
